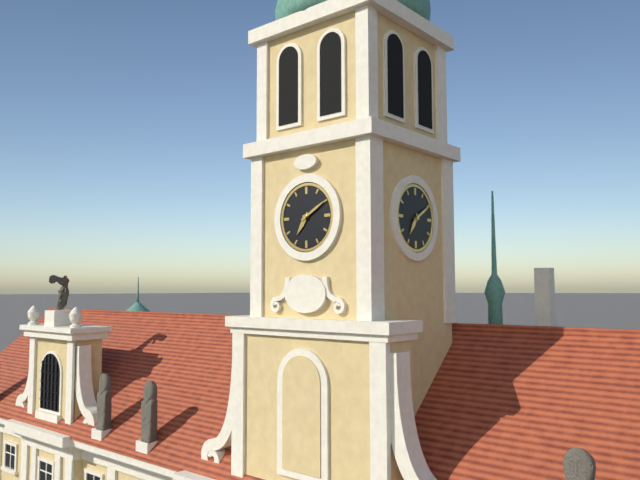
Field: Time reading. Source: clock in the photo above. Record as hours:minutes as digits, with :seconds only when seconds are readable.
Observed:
7:10
